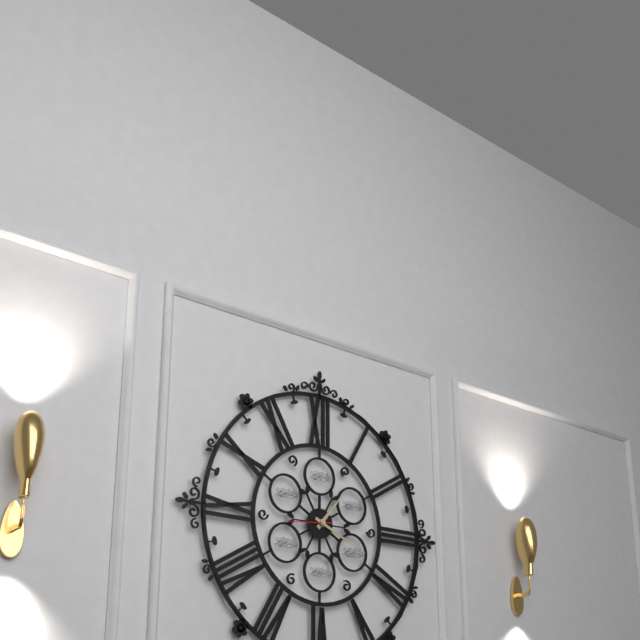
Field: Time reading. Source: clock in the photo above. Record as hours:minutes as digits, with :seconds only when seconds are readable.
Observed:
1:19
